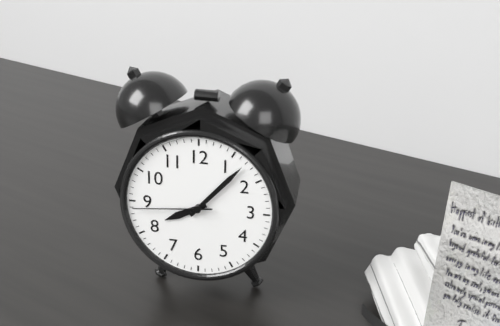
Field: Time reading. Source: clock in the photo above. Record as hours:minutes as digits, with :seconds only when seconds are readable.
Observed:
8:07:44
